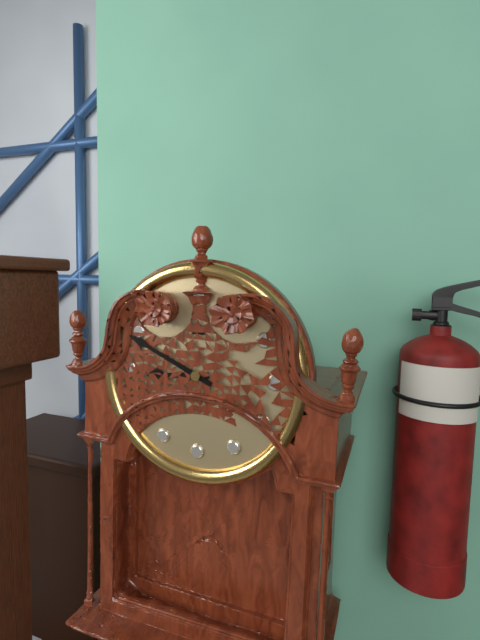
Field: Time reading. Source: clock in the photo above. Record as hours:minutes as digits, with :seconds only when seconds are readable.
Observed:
8:49
